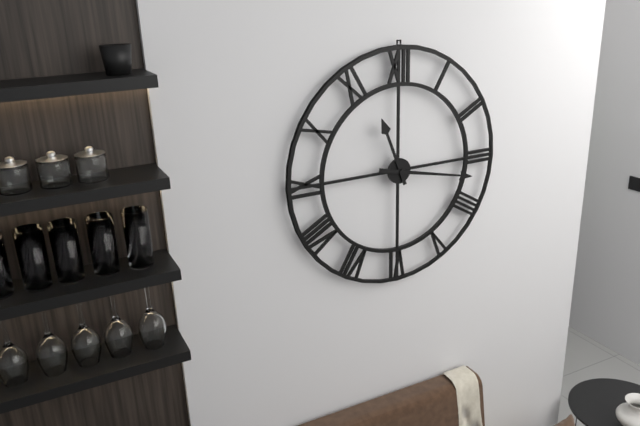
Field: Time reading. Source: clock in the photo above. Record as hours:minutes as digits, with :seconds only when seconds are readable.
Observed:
11:17
